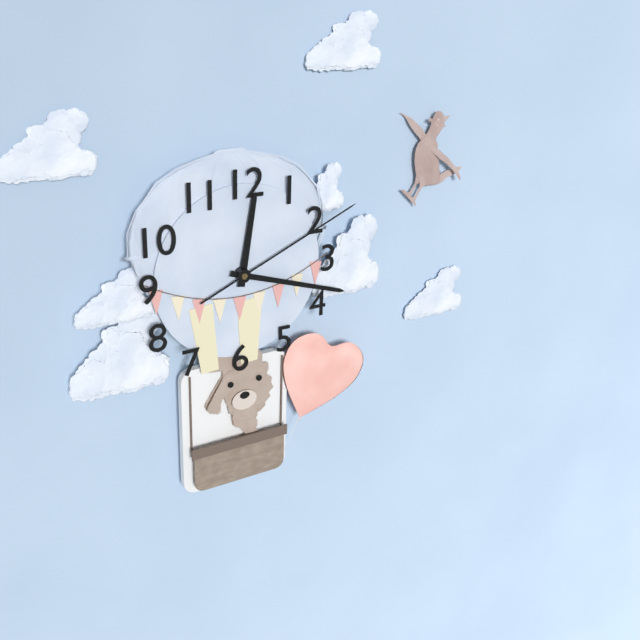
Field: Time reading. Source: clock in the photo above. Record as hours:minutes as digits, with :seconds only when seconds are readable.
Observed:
12:18:11
